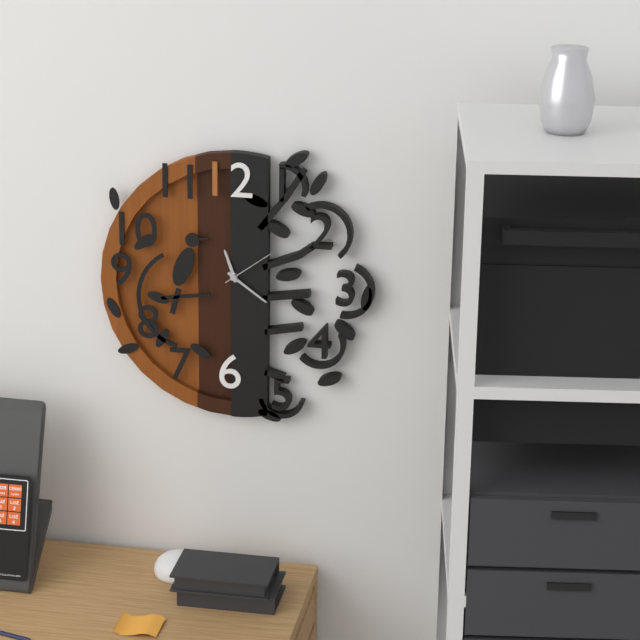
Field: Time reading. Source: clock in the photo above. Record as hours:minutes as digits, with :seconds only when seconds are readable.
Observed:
11:21
